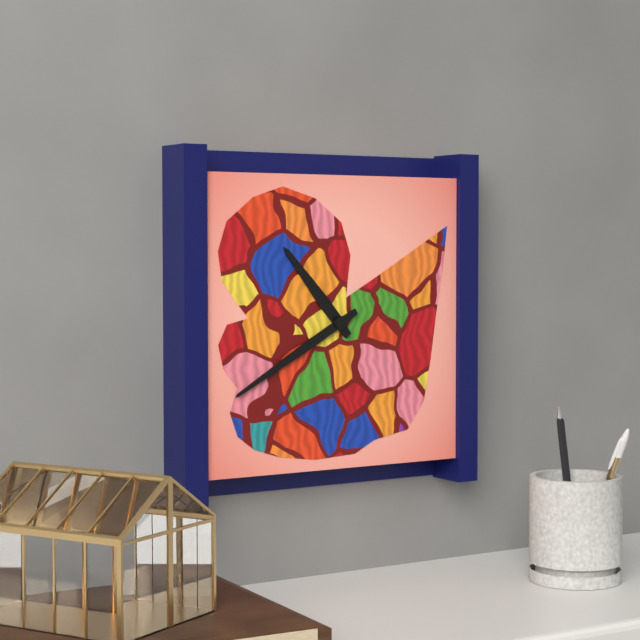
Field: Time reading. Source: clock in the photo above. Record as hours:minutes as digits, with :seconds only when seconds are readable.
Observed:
10:40
